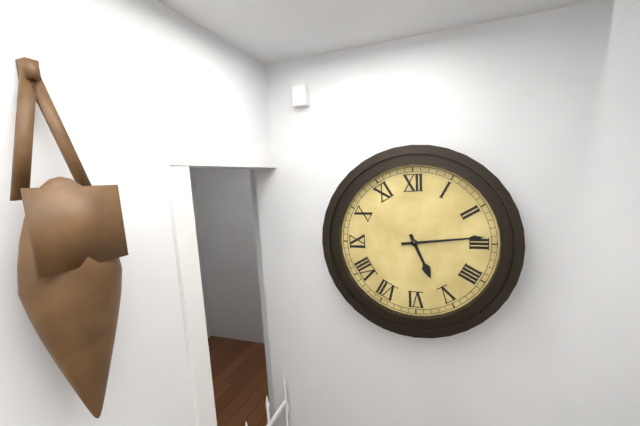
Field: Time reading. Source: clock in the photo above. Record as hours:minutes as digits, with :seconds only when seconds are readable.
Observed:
5:14
